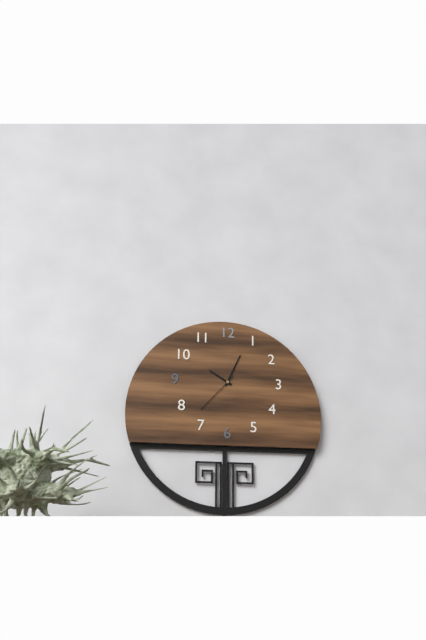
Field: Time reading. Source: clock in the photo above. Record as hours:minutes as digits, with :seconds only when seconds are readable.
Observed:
10:04
